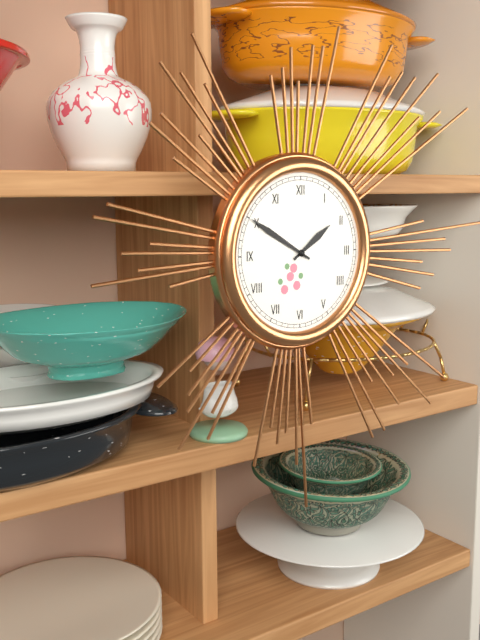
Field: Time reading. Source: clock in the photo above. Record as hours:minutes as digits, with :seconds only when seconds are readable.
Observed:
1:50
